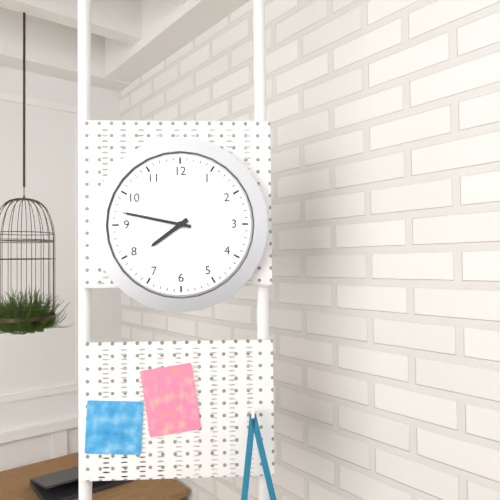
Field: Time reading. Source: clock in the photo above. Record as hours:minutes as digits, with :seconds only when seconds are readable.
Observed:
7:47
